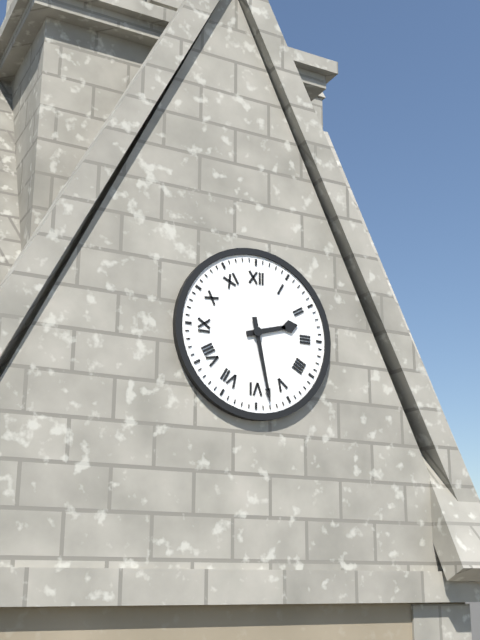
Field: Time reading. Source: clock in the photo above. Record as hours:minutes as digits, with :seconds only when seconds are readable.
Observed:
2:28
